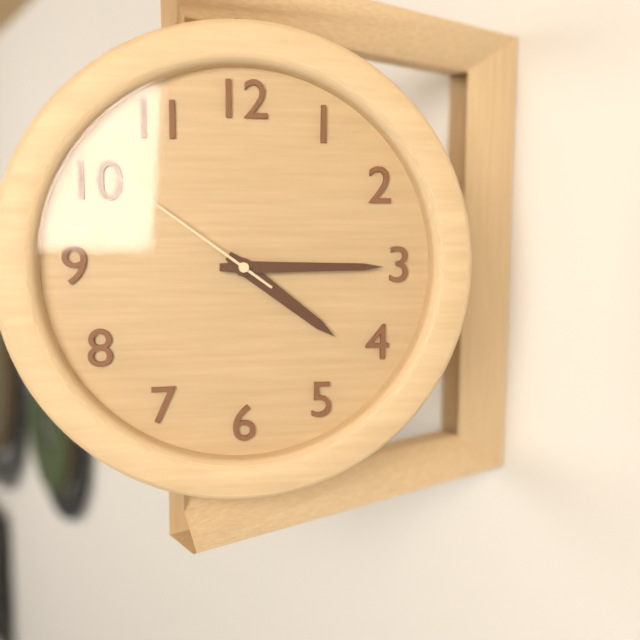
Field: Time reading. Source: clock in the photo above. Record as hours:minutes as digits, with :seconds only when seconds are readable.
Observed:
4:15:51
